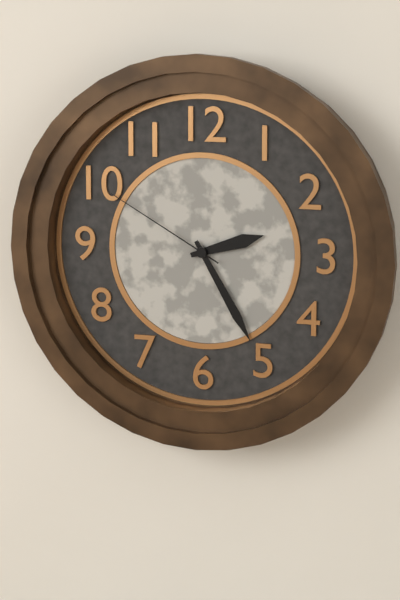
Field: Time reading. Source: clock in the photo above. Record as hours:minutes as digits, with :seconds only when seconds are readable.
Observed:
2:25:50
